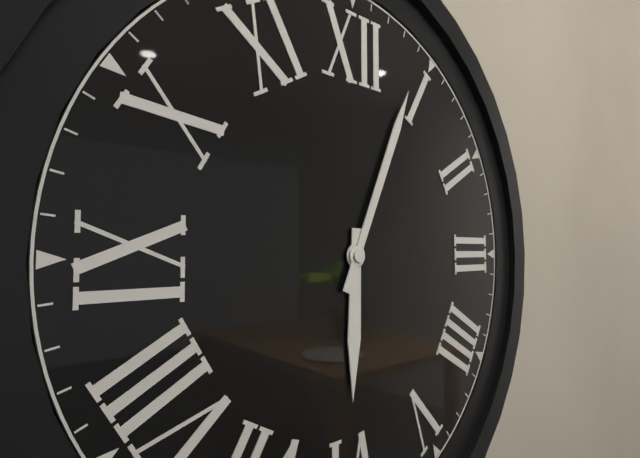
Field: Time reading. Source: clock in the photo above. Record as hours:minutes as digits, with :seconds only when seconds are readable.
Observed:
6:04
